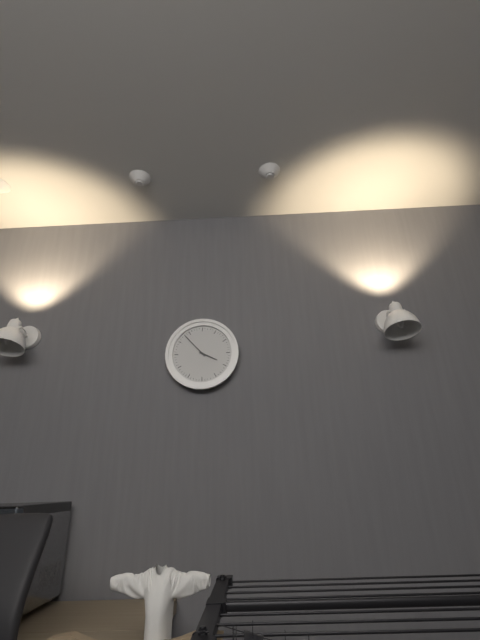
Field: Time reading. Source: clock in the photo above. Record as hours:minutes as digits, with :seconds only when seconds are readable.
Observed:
3:53
